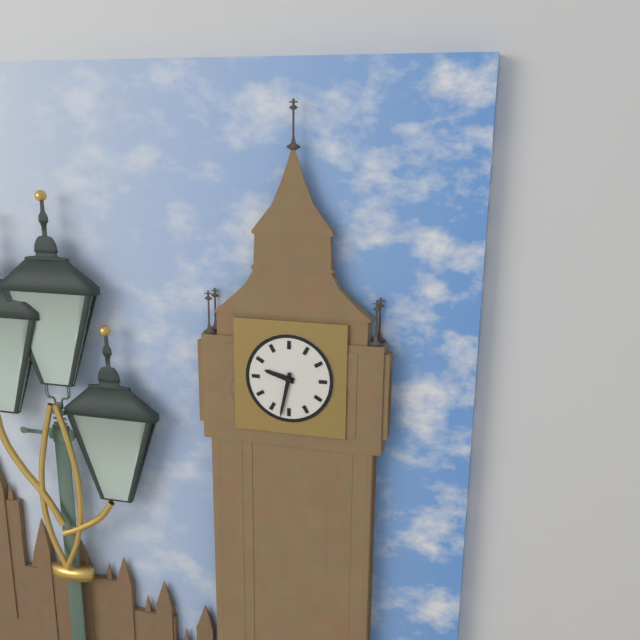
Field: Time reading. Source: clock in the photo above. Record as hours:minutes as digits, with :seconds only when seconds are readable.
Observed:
9:32
